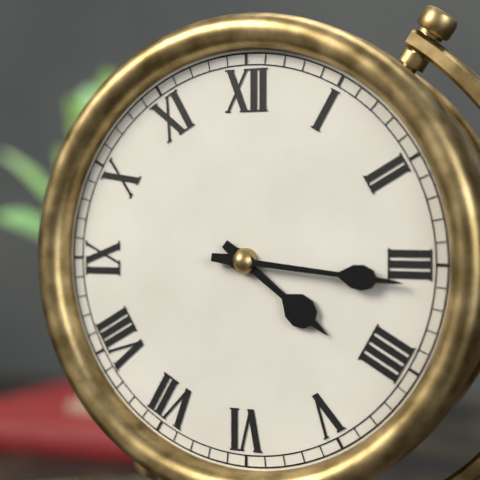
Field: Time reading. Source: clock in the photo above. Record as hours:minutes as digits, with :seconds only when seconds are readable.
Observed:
4:16
